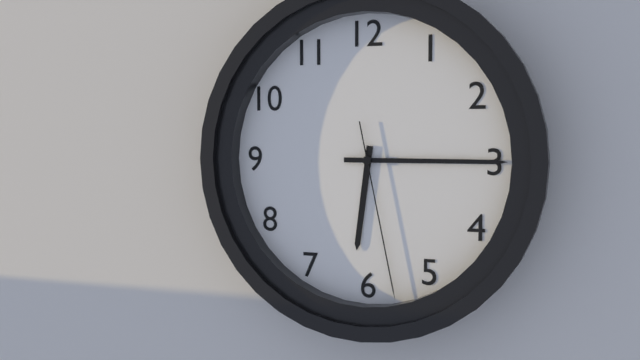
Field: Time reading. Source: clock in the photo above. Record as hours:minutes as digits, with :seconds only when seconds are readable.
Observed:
6:15:28
